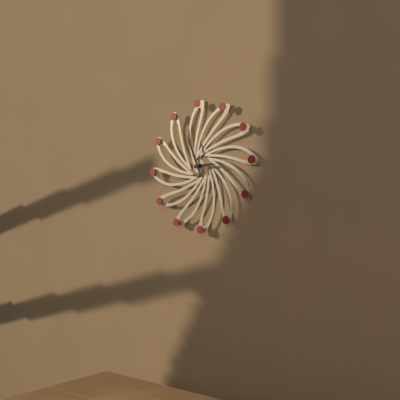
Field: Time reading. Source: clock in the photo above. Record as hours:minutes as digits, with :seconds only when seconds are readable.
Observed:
2:56
